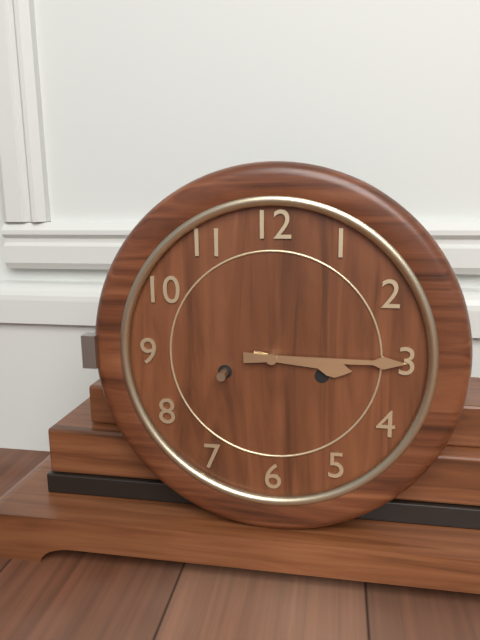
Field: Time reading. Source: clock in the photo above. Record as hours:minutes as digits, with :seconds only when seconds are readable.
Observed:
3:15
